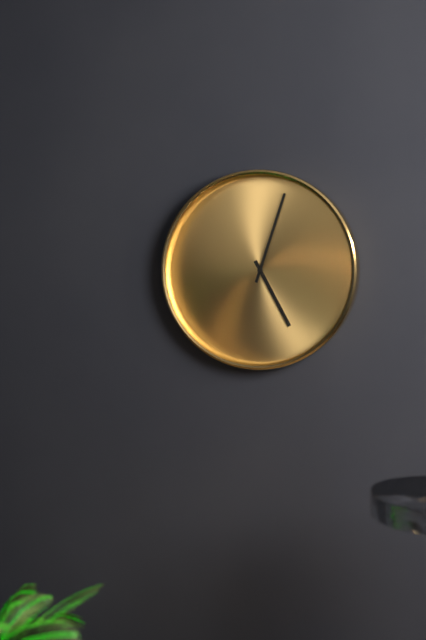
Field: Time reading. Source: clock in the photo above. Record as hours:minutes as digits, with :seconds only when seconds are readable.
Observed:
5:03
